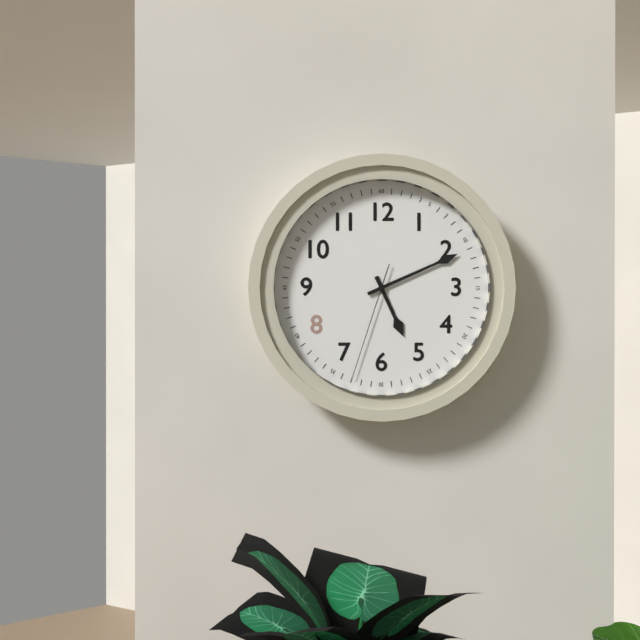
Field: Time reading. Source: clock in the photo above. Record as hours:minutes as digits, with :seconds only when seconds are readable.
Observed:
5:11:33
